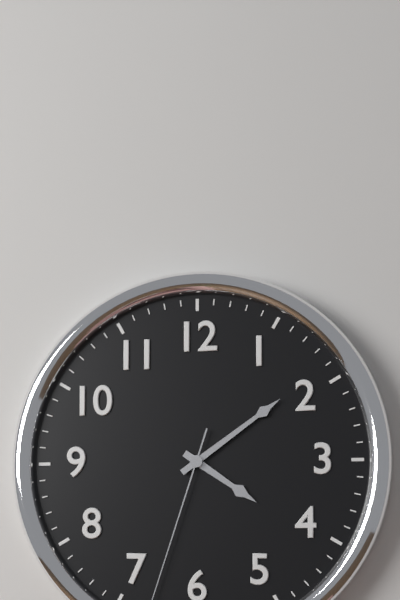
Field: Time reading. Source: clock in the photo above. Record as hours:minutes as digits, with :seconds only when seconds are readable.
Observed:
4:09
